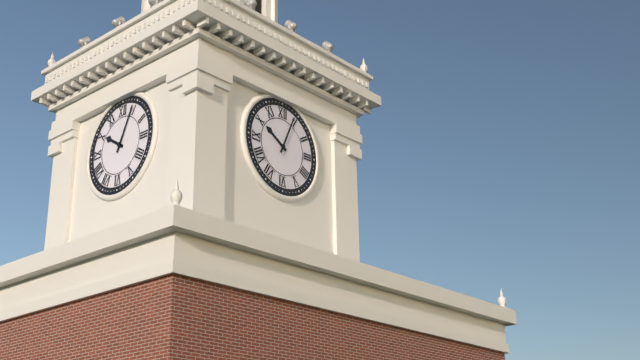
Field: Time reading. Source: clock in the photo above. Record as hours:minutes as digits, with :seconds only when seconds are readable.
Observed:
10:04
